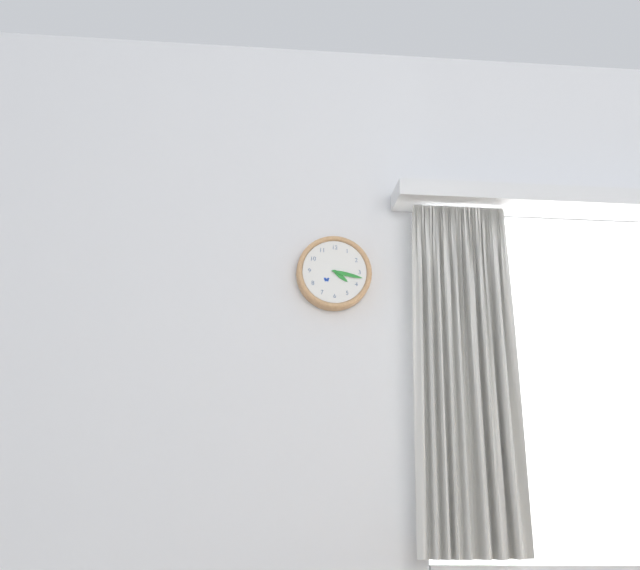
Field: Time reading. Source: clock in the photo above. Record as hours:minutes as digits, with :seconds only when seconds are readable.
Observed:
4:17
